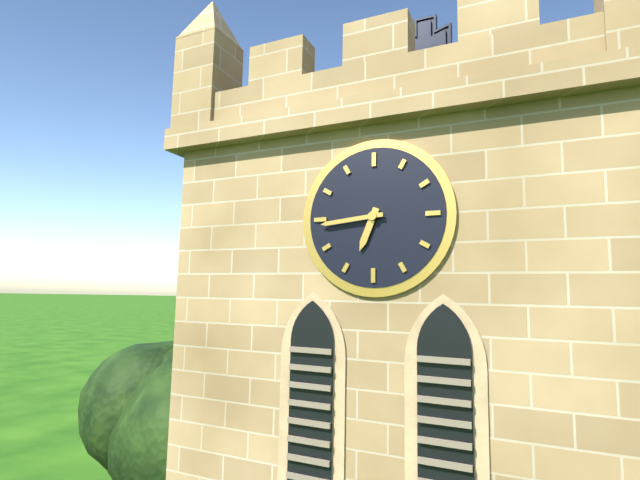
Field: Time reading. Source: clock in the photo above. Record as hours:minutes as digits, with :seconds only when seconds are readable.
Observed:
6:44
